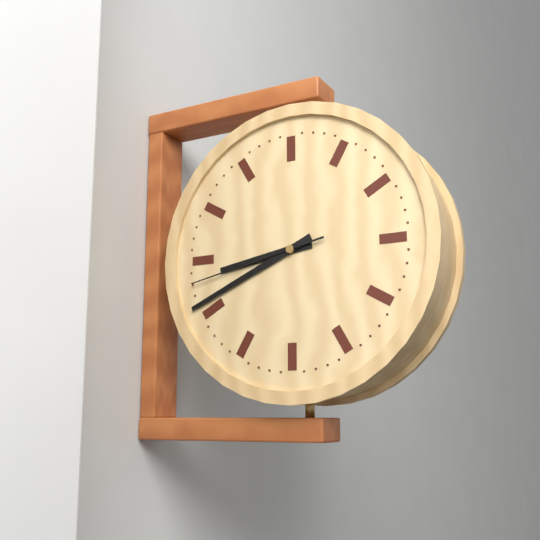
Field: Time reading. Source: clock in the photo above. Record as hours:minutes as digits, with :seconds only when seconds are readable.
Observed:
8:41:43
